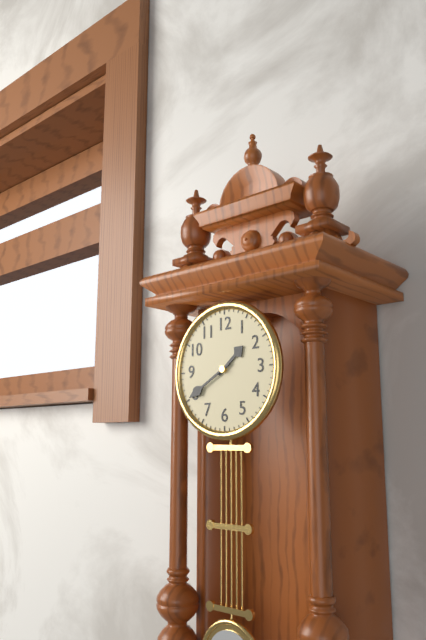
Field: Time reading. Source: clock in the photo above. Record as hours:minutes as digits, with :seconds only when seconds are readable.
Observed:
1:40
